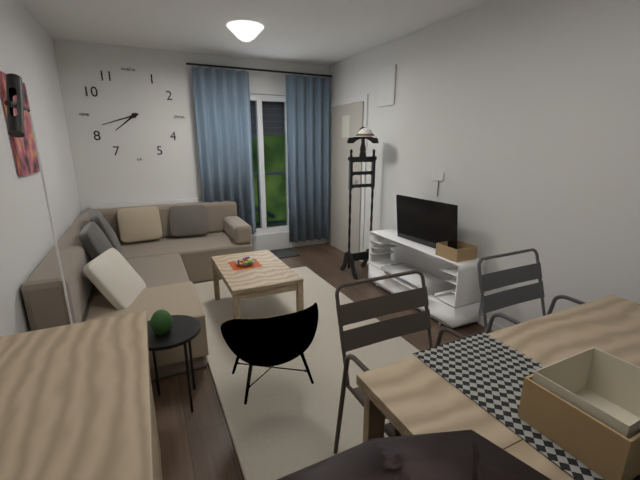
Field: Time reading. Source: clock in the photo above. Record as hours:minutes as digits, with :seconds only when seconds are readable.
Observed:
7:42
